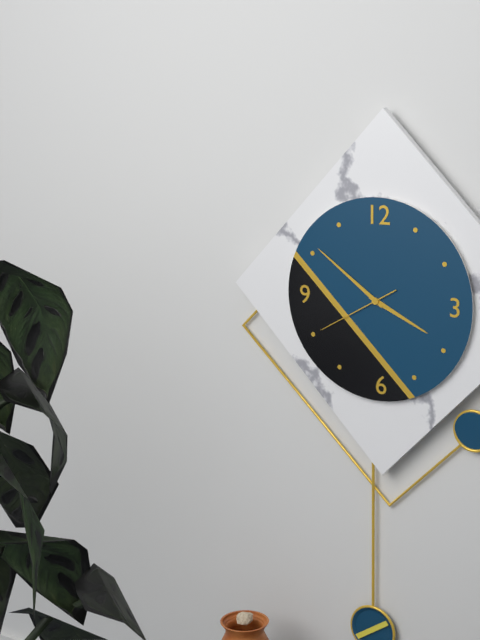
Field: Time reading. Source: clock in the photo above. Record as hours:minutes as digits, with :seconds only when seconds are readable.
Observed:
3:51:40
